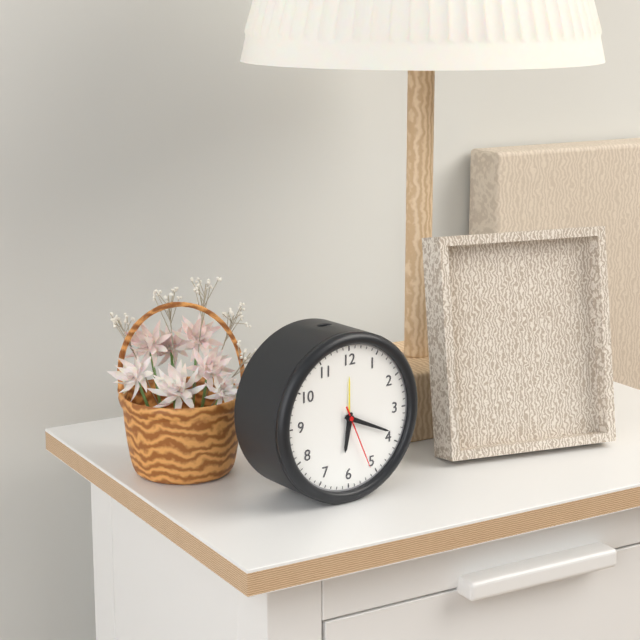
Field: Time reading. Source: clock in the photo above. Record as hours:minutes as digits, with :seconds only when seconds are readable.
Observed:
6:19:26
